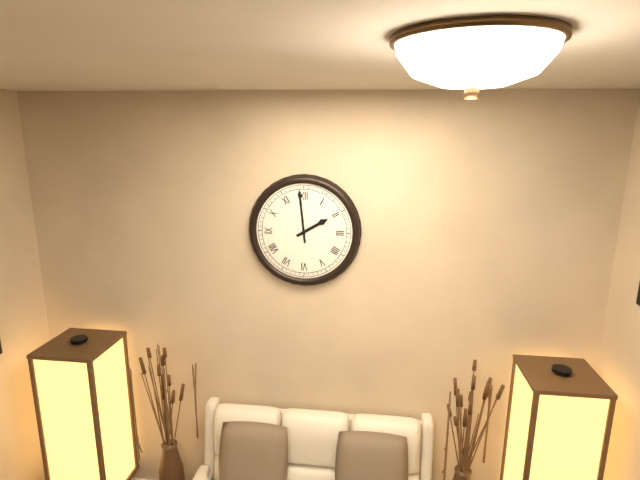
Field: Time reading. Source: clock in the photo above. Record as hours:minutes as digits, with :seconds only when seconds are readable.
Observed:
1:59
